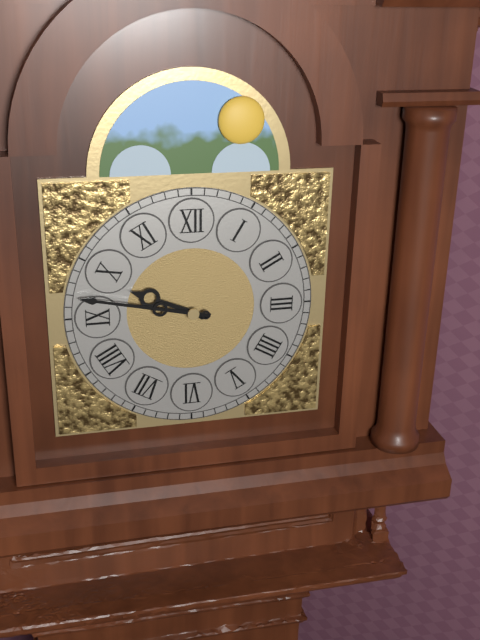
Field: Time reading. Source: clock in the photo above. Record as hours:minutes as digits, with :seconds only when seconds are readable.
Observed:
9:47
